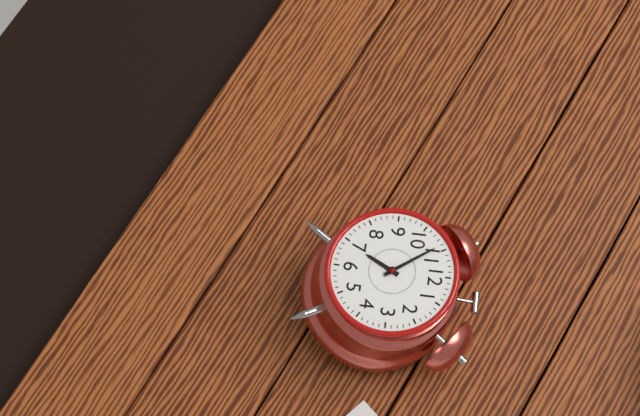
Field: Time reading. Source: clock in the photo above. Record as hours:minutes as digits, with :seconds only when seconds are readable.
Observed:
6:54
